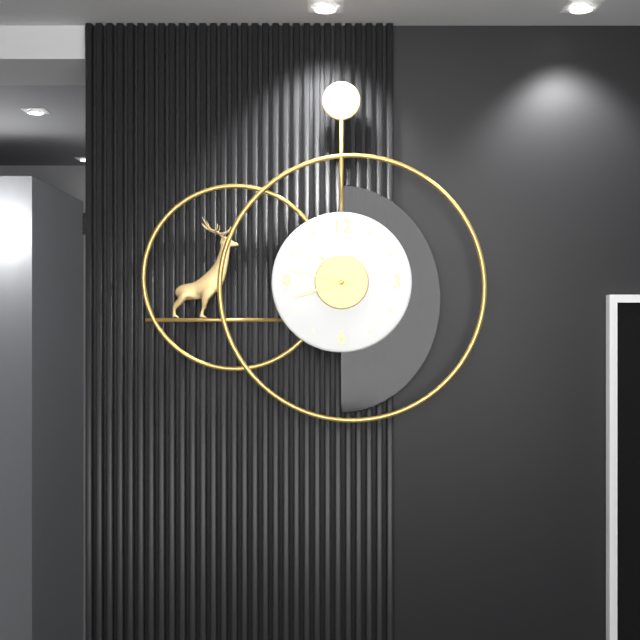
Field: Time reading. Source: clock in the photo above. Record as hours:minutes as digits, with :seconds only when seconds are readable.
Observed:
10:42:47
